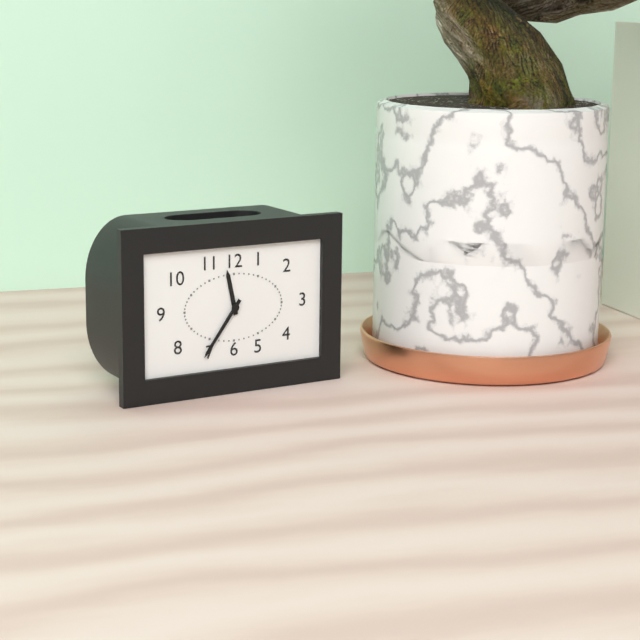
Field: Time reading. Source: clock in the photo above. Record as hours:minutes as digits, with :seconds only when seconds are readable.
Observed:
11:36
